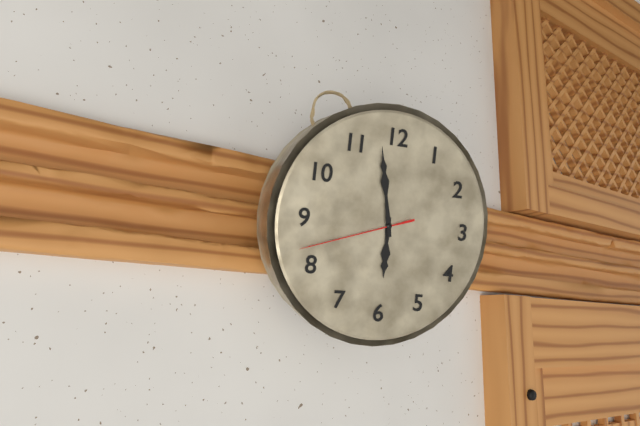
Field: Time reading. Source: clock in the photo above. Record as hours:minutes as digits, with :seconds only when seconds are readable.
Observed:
5:58:42
